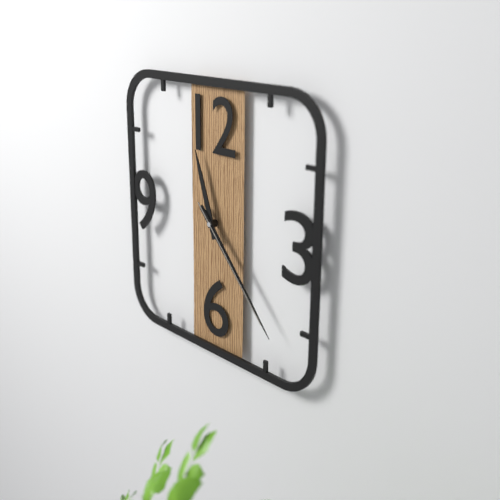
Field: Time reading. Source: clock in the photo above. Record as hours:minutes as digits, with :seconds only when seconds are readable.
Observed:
11:23:23
